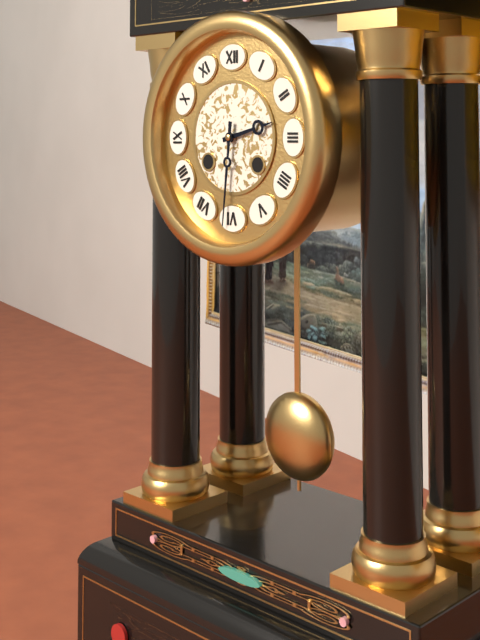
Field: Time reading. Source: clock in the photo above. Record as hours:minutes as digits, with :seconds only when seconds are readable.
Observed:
2:31
